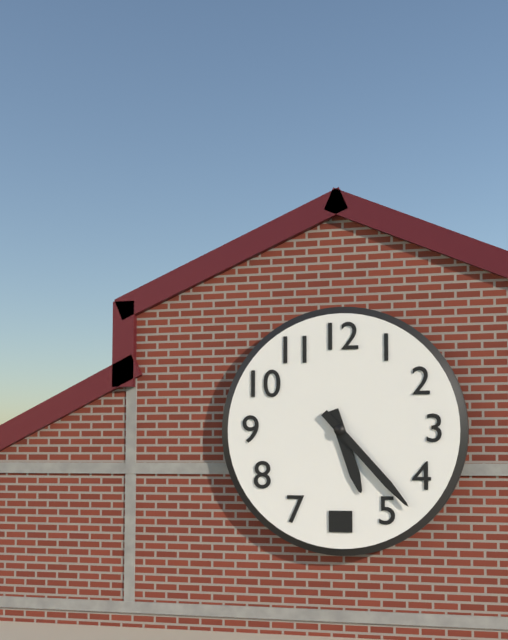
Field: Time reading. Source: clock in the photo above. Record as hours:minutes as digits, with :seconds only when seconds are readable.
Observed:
5:23
